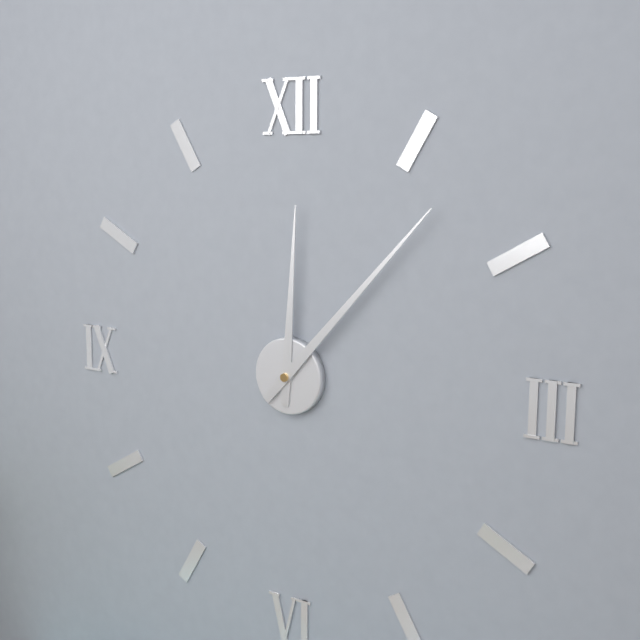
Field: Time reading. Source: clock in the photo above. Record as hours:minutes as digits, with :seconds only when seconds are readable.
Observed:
12:07
